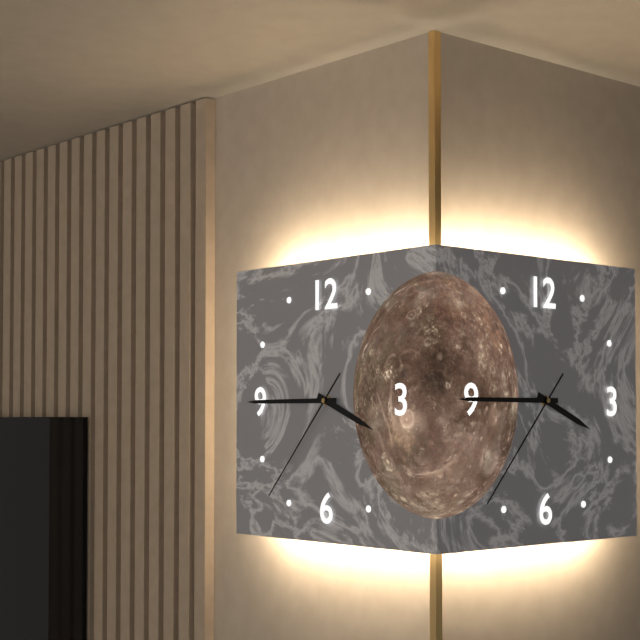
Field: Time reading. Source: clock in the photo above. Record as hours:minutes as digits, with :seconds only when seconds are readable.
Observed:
3:45:37
